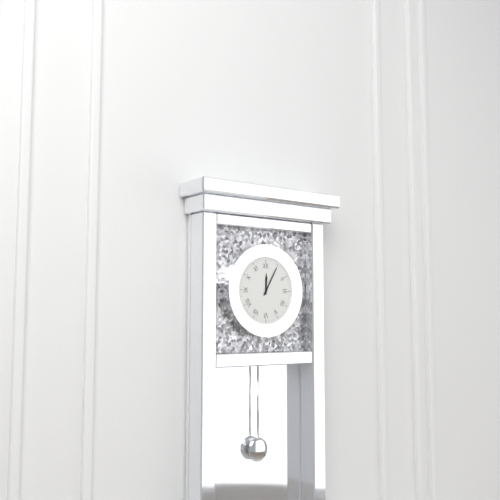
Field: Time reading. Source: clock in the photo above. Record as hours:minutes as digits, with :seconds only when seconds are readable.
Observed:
12:05
